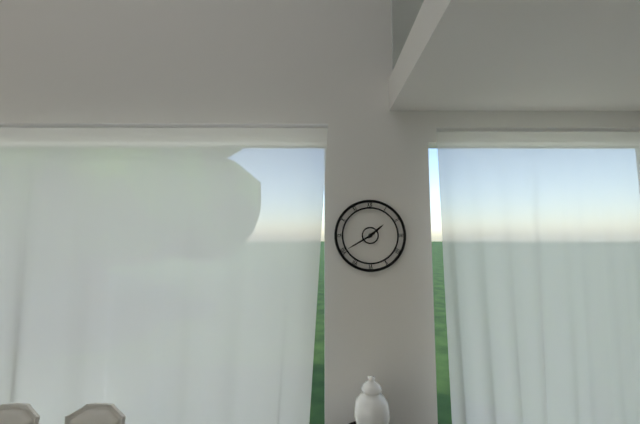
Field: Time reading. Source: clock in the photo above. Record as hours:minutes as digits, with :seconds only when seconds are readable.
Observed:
1:40
